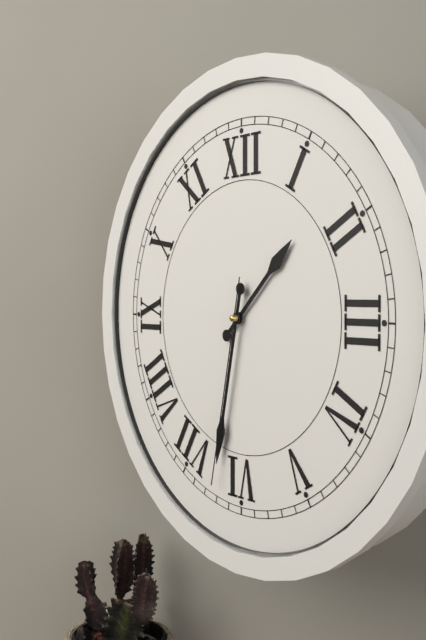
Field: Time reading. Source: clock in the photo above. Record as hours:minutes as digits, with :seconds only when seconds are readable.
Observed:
1:32:32
